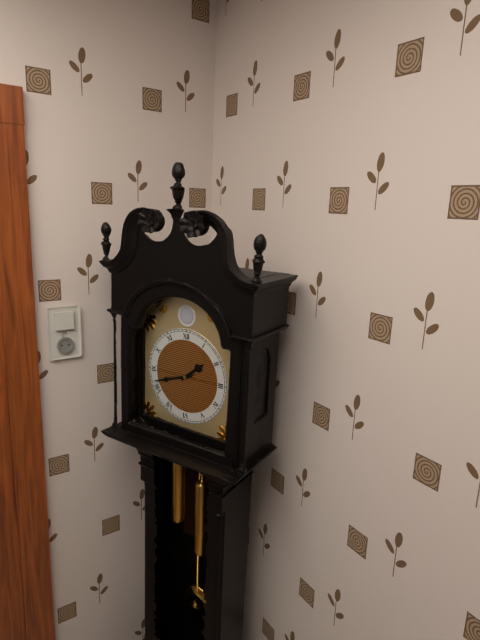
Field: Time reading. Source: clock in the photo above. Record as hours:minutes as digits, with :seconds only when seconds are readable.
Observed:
1:42
